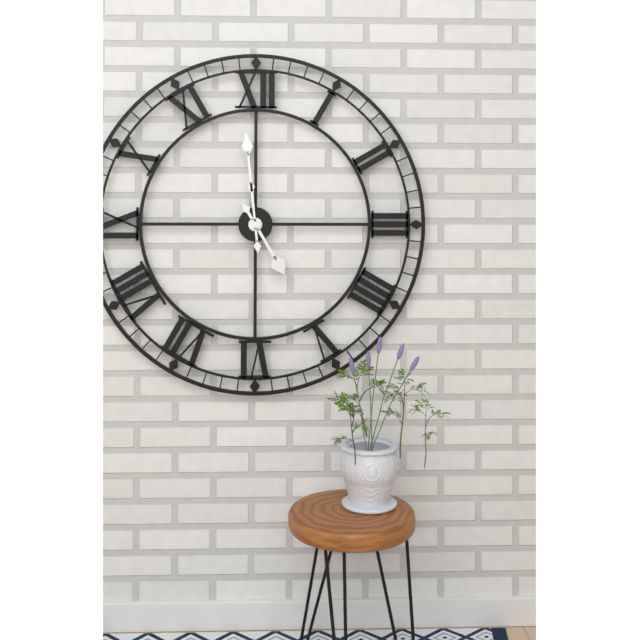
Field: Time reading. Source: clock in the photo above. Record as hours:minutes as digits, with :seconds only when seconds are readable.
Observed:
4:59
